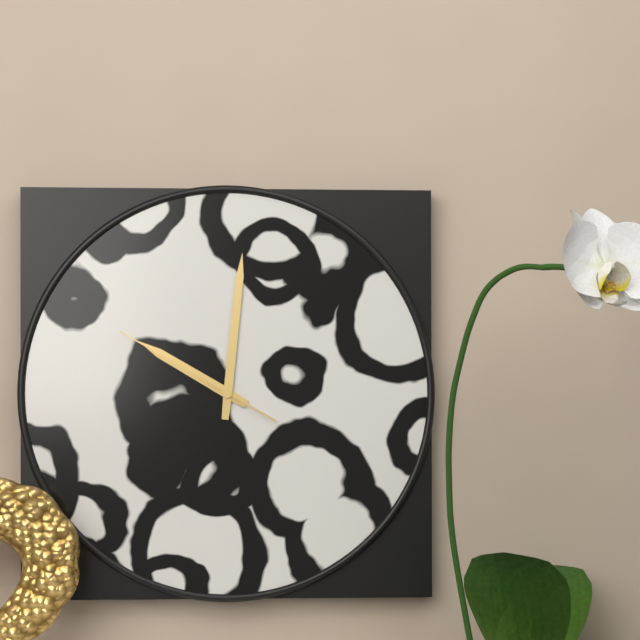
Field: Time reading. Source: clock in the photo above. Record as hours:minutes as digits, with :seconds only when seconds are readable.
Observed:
10:01:50
